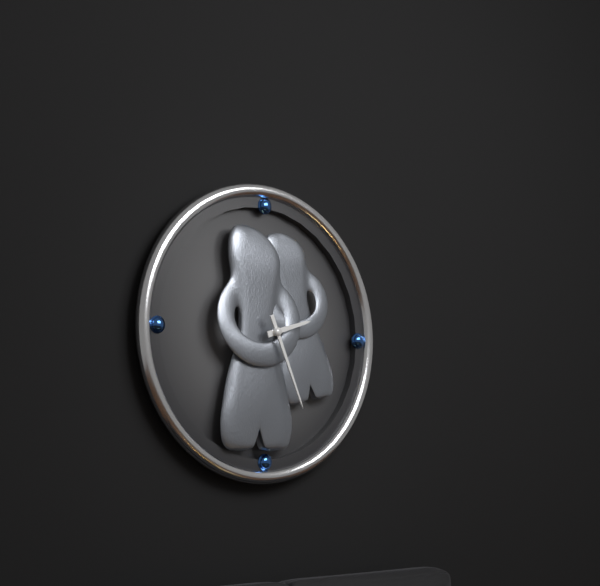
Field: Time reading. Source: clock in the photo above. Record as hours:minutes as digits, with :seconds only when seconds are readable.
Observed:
2:26
